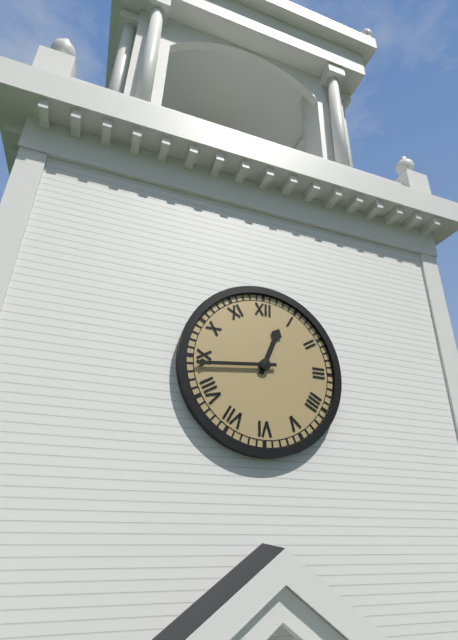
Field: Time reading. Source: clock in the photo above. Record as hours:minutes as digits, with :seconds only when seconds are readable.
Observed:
12:44
